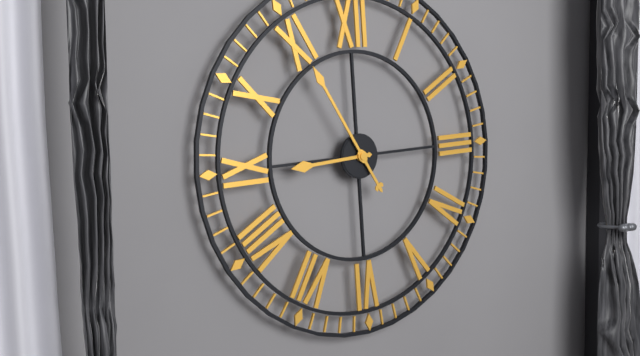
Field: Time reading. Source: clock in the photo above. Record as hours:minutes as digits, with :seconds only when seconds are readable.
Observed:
8:55
